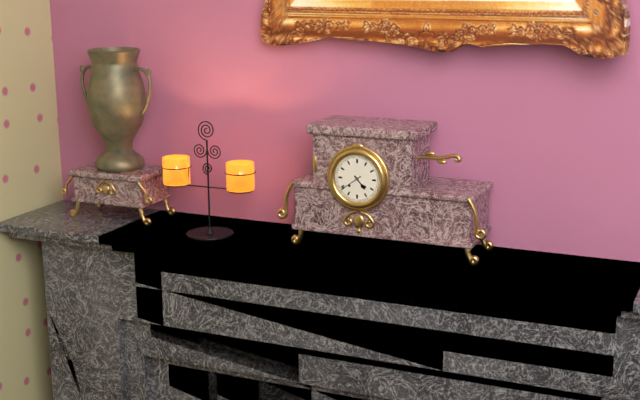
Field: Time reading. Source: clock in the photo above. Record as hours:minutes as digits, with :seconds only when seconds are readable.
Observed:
4:39
